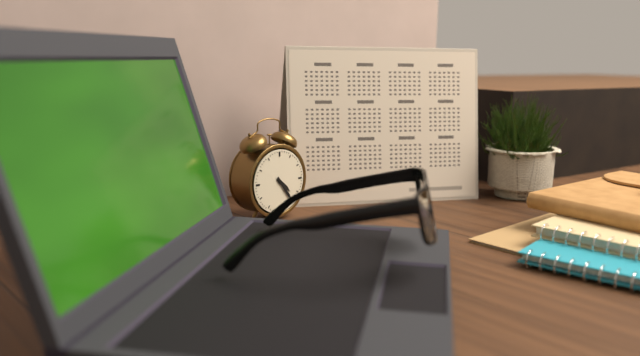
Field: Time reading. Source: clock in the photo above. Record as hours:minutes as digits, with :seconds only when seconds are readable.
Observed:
4:24
